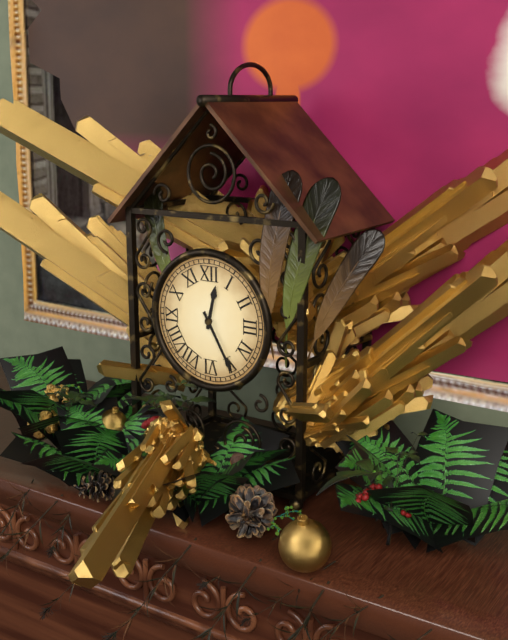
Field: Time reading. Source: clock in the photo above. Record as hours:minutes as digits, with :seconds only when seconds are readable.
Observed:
12:25
